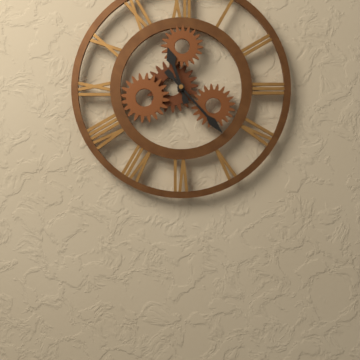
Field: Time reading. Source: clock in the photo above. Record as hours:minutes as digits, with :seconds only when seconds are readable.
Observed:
11:23
